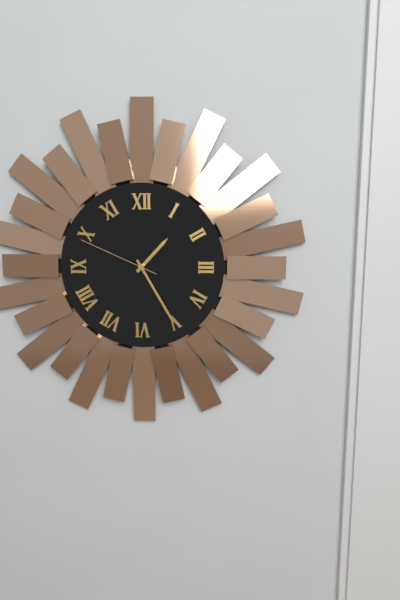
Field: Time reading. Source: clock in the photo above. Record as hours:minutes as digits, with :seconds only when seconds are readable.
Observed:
1:25:49
